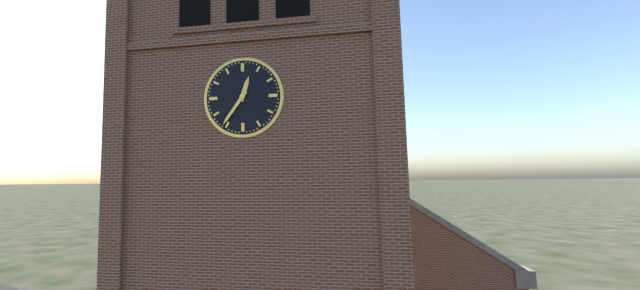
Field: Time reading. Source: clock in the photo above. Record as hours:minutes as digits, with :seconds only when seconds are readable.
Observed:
12:36
